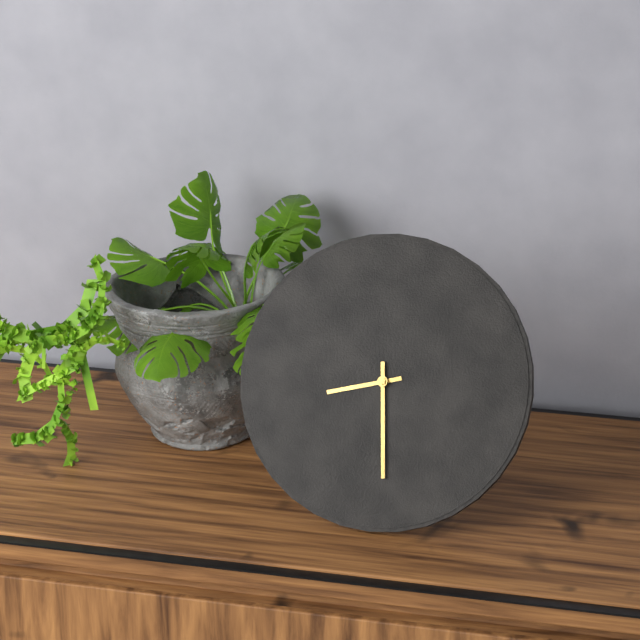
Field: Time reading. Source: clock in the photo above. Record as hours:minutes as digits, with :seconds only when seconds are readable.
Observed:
8:29
